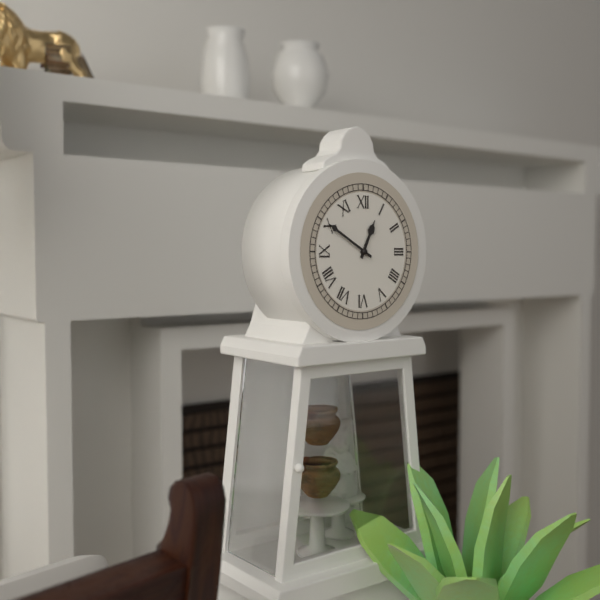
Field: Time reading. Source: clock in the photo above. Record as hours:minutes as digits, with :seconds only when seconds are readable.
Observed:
12:50
